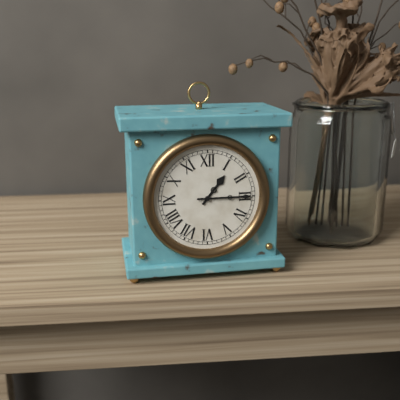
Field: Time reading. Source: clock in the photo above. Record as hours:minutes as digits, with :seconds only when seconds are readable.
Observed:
1:15
